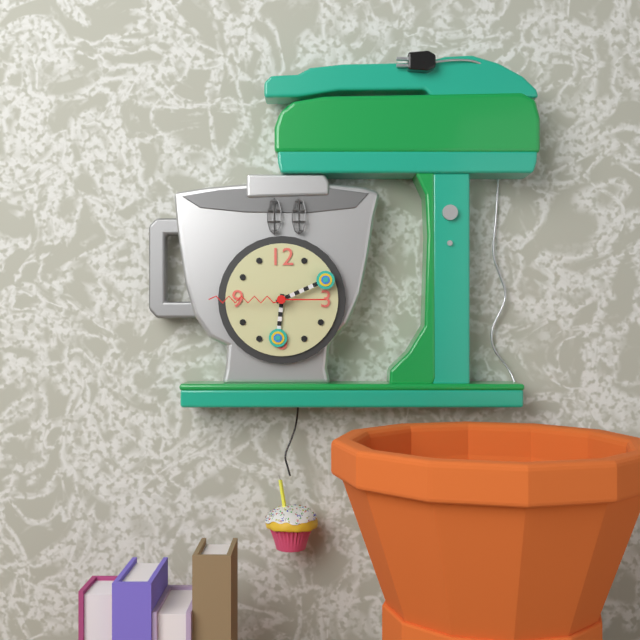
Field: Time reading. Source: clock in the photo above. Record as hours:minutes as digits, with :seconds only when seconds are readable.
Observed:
6:11:45
